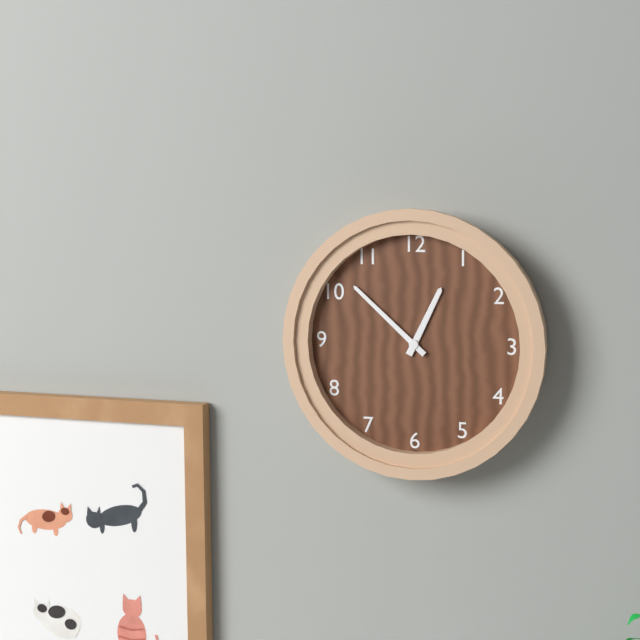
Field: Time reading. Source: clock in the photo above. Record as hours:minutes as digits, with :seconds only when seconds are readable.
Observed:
12:52
